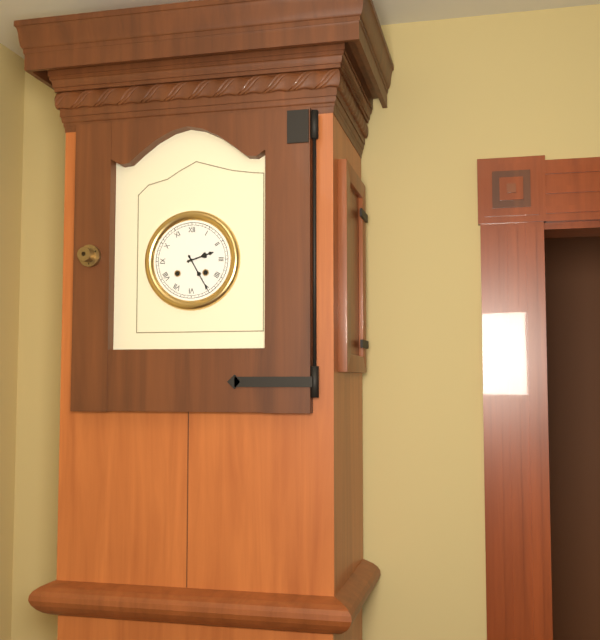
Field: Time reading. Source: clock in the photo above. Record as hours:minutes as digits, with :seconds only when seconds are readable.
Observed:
2:25
